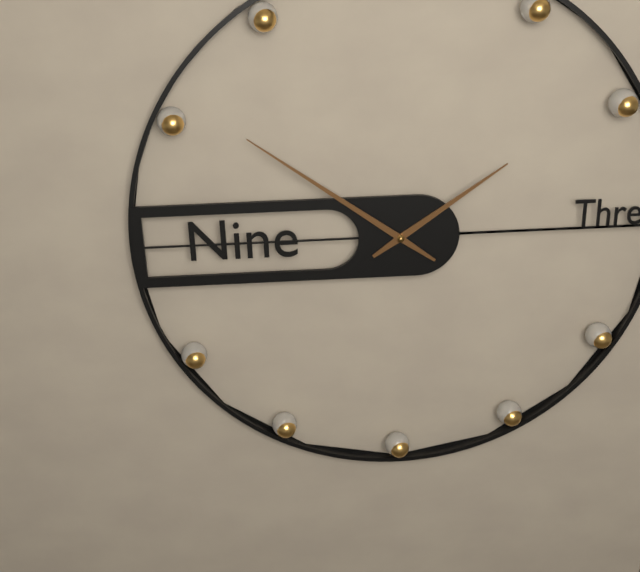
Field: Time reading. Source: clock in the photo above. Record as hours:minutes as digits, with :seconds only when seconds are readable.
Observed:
1:51
